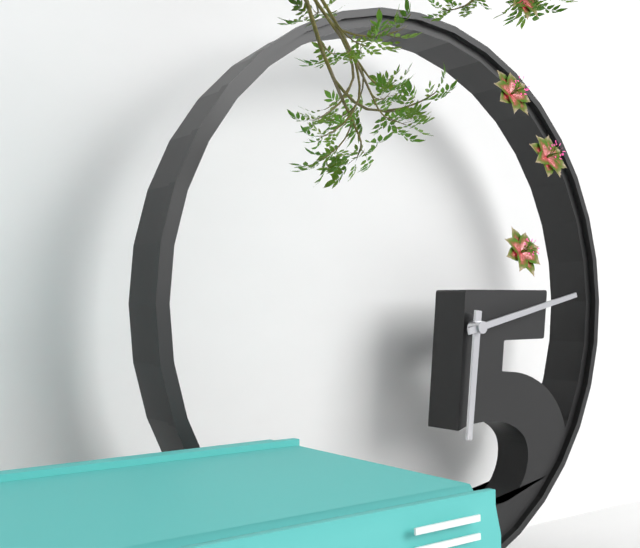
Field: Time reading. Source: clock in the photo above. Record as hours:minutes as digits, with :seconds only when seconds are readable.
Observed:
6:13
